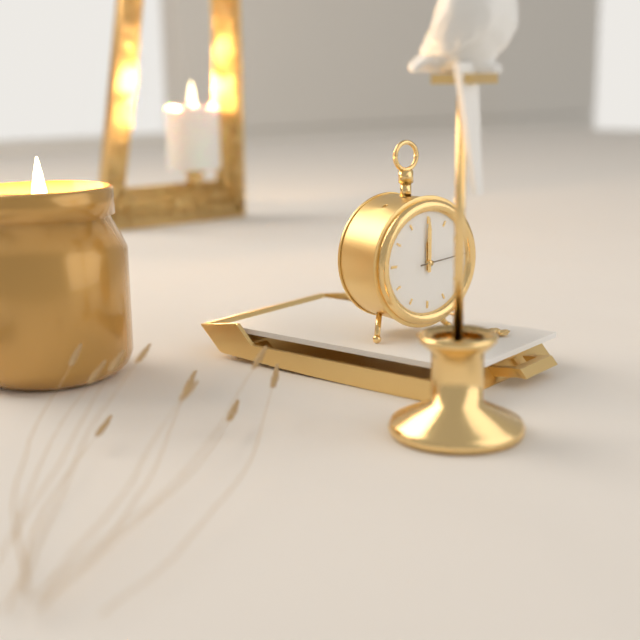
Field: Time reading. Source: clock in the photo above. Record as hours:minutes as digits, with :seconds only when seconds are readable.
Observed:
12:00:14
